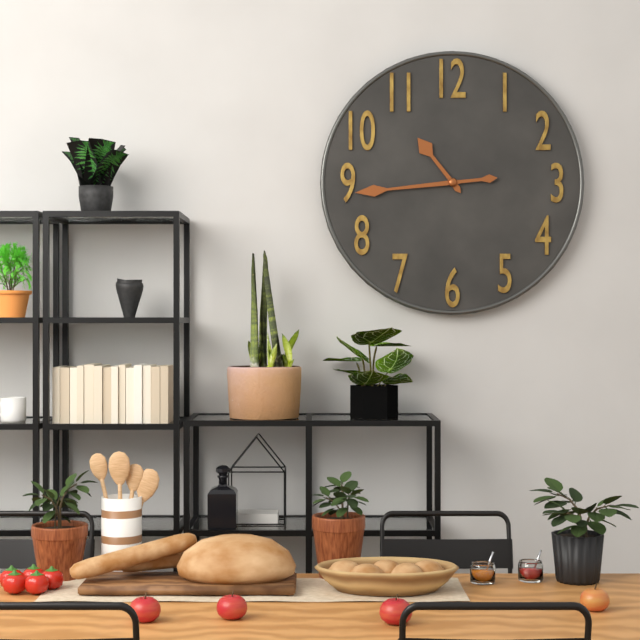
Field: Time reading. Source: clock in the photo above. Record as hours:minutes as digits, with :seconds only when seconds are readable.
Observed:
10:44
